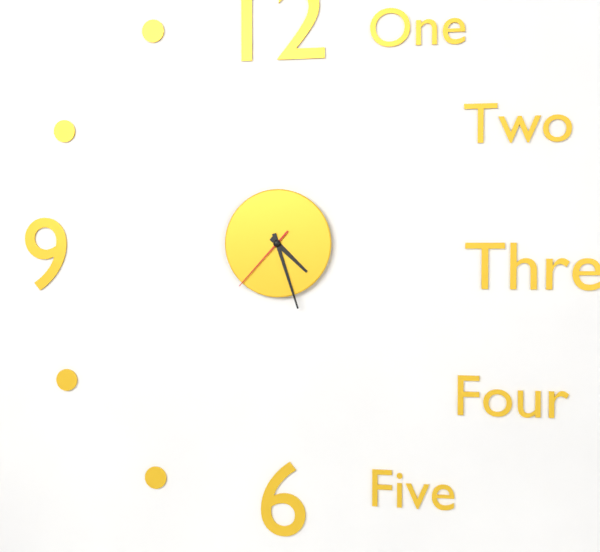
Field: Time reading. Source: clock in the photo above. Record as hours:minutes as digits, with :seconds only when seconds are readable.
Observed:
4:27:37
